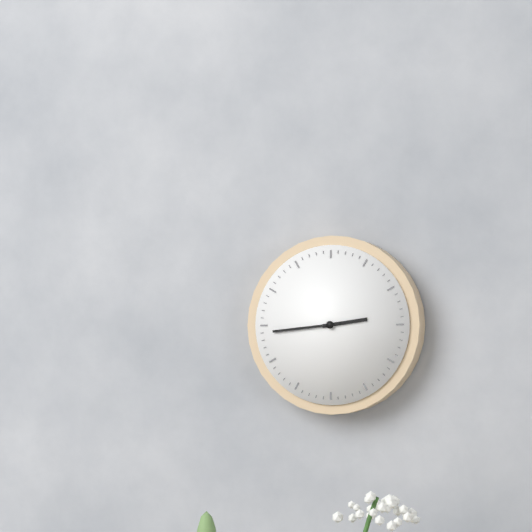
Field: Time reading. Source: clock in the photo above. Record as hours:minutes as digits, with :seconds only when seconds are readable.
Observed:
2:44
